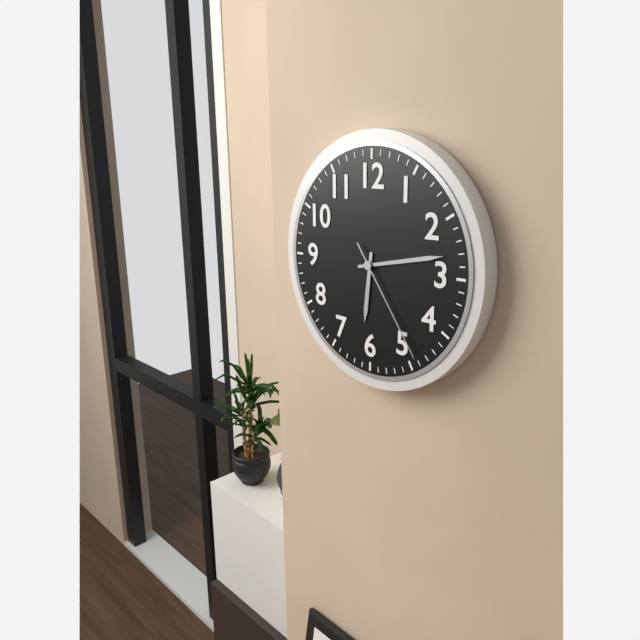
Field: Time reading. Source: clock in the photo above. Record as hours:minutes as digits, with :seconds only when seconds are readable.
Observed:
6:13:24
